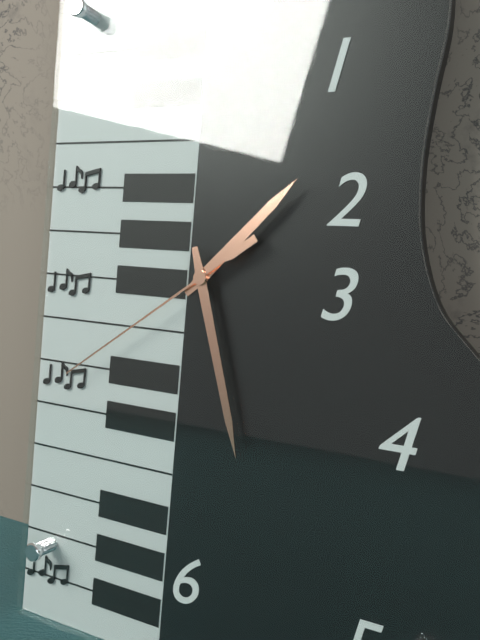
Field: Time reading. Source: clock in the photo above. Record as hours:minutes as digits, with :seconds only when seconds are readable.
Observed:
1:27:39
